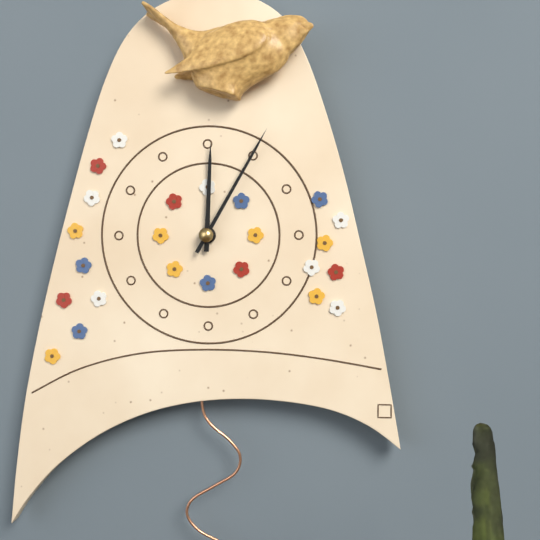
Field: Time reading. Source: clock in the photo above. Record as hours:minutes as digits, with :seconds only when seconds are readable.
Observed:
12:05
